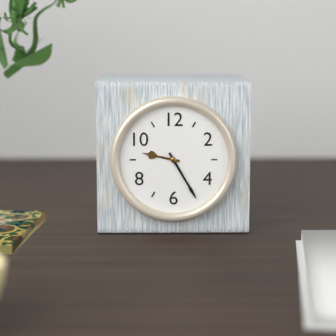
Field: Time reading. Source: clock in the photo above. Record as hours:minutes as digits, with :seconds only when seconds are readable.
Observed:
9:25
